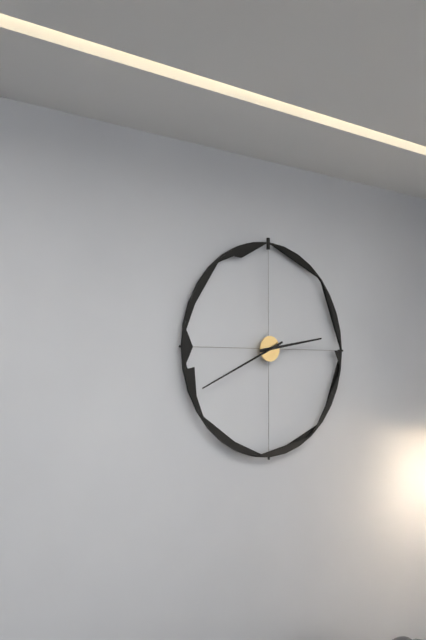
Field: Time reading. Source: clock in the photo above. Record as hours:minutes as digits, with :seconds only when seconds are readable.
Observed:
2:41
